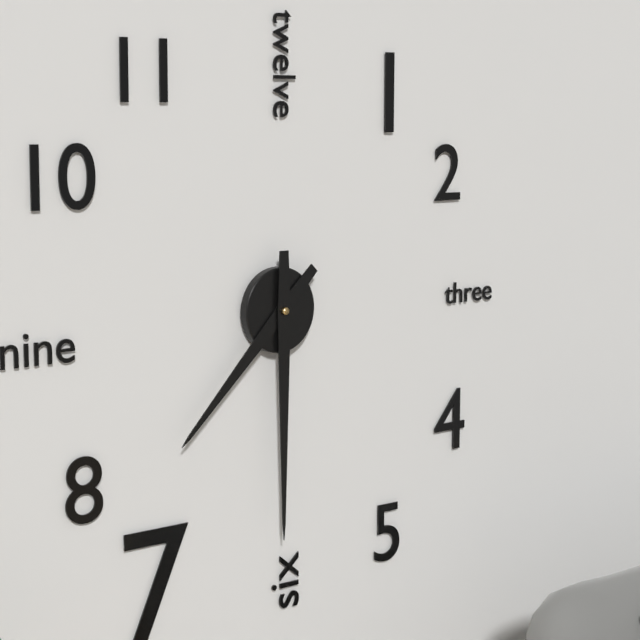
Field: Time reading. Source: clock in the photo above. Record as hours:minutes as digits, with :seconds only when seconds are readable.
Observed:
7:30
